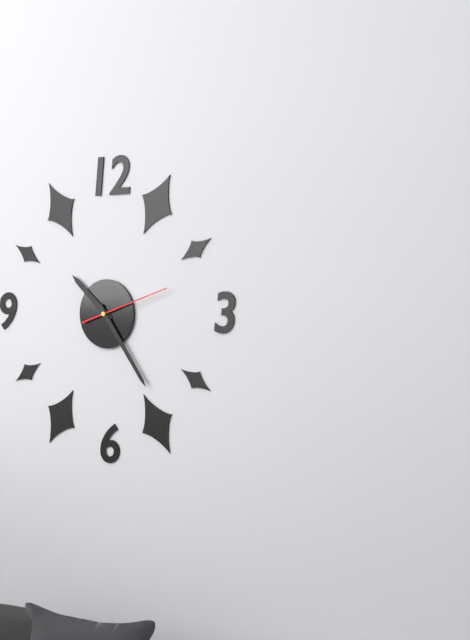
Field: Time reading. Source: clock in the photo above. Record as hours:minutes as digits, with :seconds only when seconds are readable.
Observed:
10:24:12
